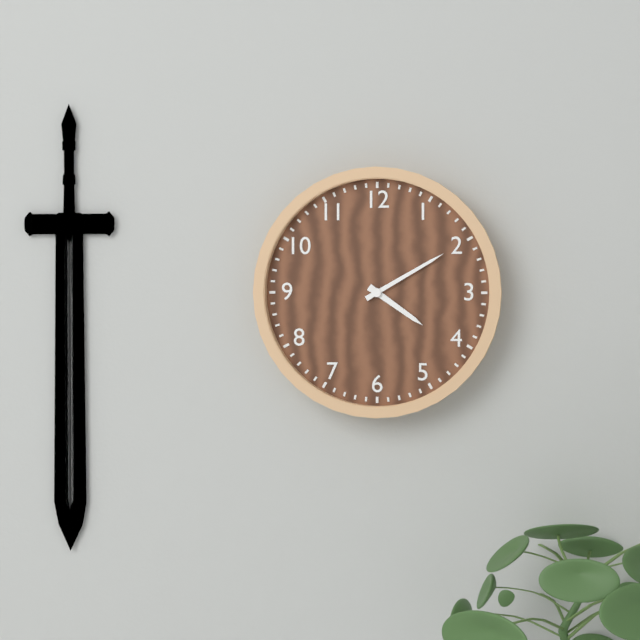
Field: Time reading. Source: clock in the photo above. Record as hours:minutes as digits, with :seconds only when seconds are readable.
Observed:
4:10
